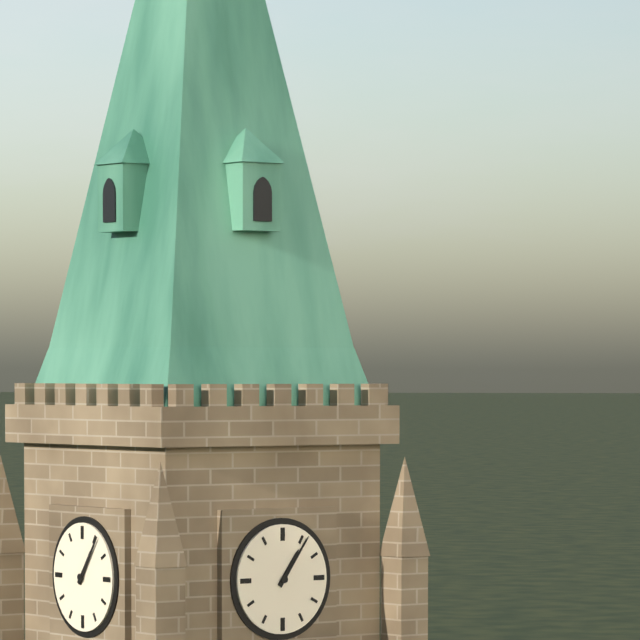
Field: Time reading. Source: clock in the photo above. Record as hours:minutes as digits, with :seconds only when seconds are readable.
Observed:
1:06
